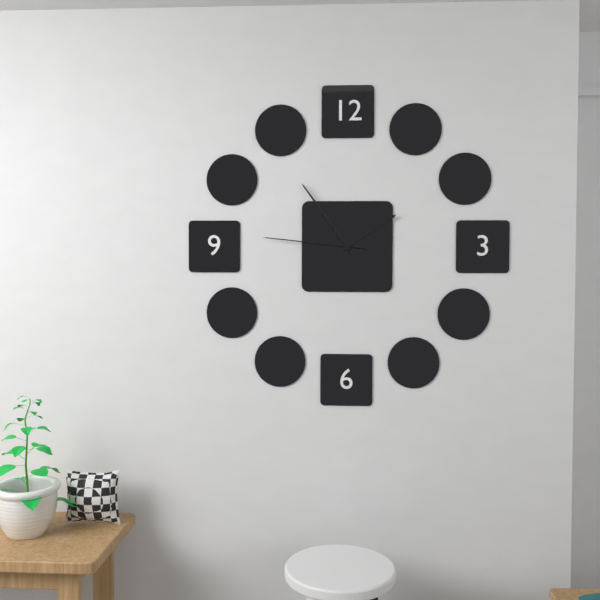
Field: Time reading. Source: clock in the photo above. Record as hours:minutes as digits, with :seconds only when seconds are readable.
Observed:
1:54:46
